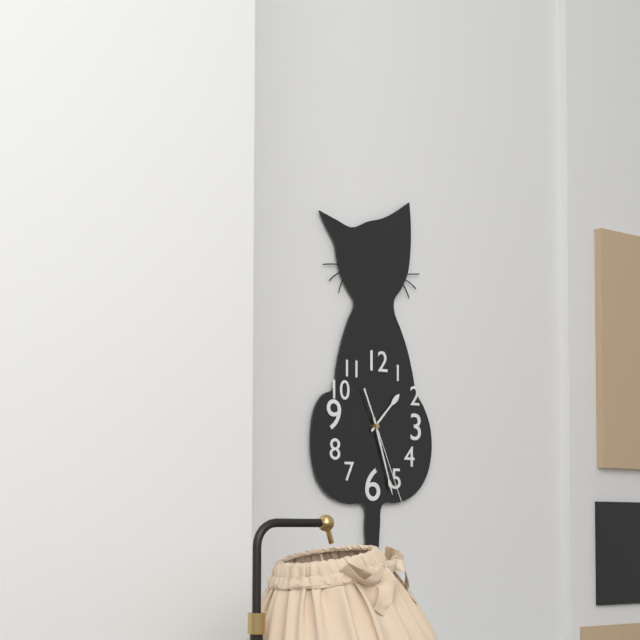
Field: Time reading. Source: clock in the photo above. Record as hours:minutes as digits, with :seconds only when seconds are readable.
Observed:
1:27:26
